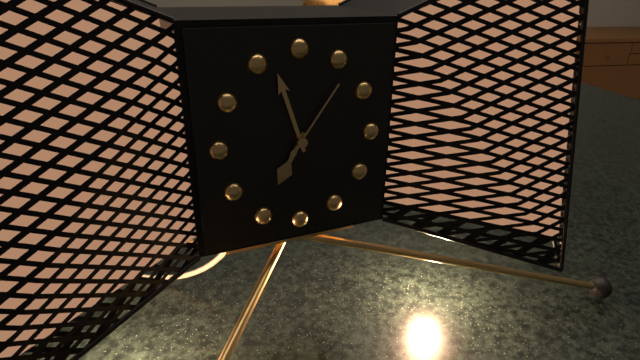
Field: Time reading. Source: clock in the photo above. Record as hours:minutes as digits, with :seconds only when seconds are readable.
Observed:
6:57:06
